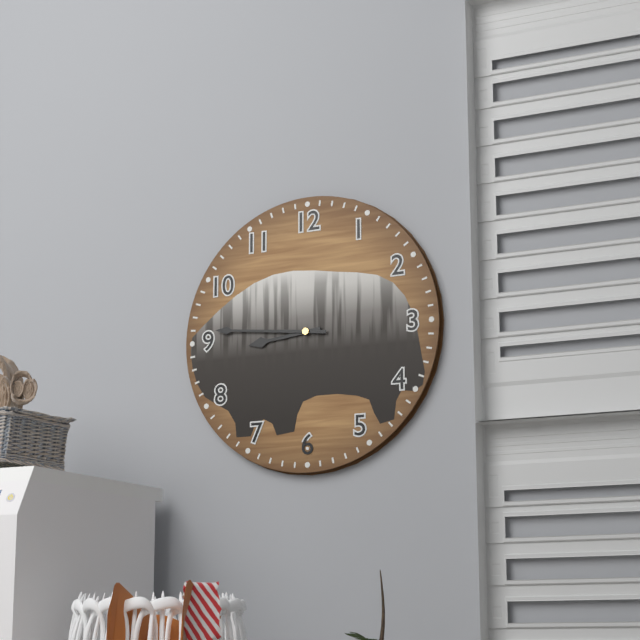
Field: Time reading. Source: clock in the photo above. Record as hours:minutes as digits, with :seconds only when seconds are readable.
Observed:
8:46
